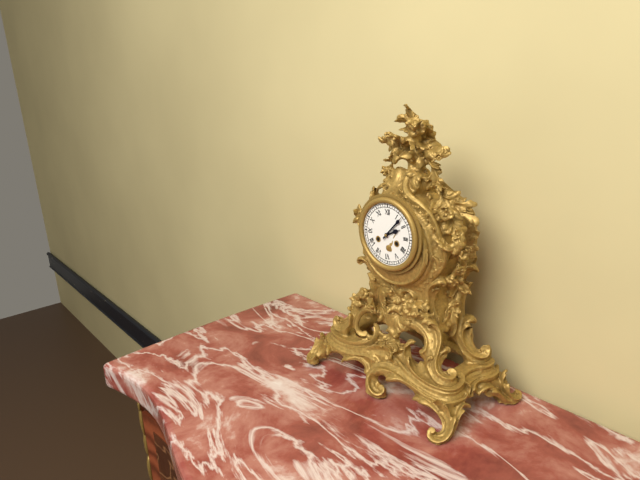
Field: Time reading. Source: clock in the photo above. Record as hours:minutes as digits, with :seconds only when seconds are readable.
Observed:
2:07
